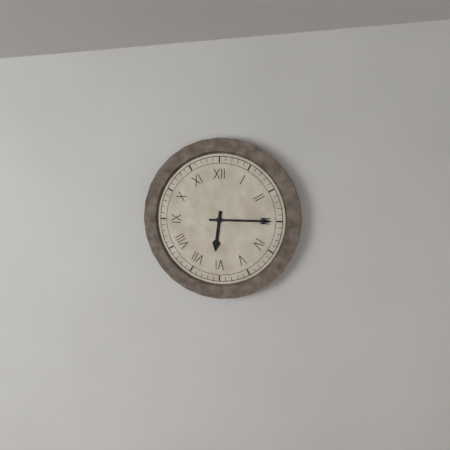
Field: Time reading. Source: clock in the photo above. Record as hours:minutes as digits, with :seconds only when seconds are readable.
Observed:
6:15
